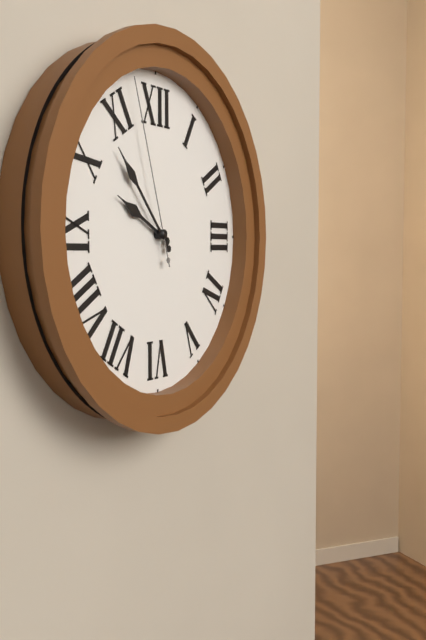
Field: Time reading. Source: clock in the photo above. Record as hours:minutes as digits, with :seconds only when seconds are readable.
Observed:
9:53:57
